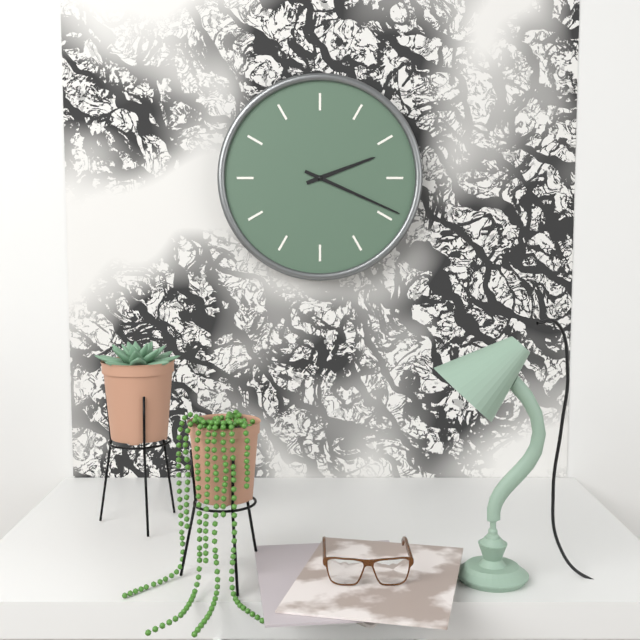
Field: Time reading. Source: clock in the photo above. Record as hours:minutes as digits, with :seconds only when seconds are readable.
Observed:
2:19
